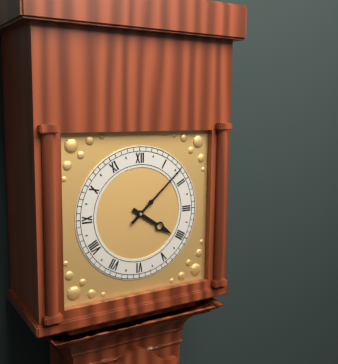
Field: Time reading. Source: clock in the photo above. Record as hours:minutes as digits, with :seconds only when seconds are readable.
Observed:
4:08
